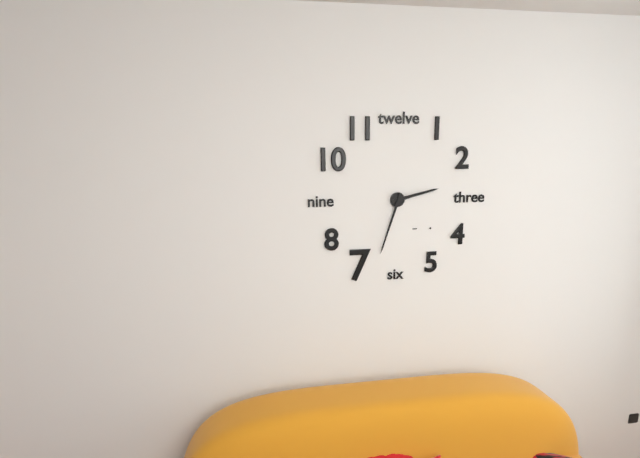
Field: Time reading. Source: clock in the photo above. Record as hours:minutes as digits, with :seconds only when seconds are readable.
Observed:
2:33
